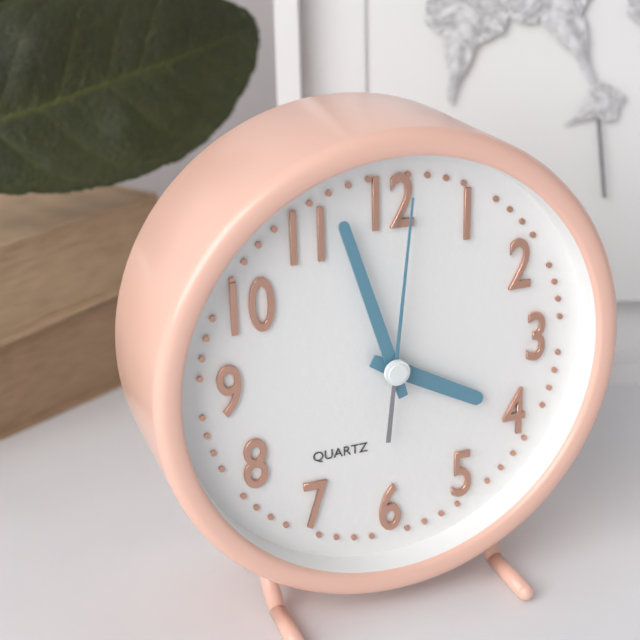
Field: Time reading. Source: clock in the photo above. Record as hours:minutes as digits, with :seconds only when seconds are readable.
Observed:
3:57:01
